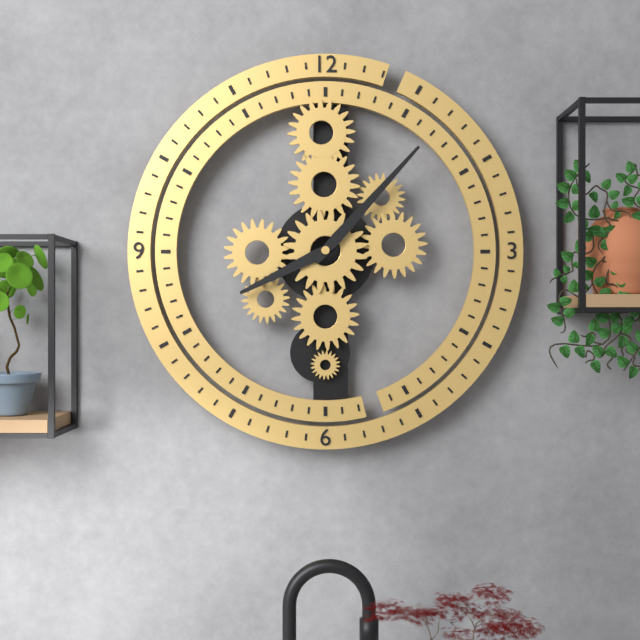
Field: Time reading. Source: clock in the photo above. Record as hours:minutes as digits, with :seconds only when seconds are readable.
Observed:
8:07
